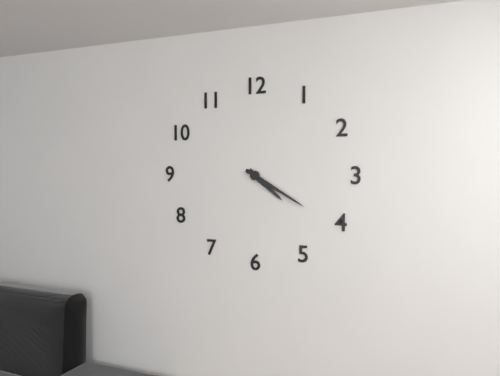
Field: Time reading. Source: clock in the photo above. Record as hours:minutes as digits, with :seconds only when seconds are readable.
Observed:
4:20
